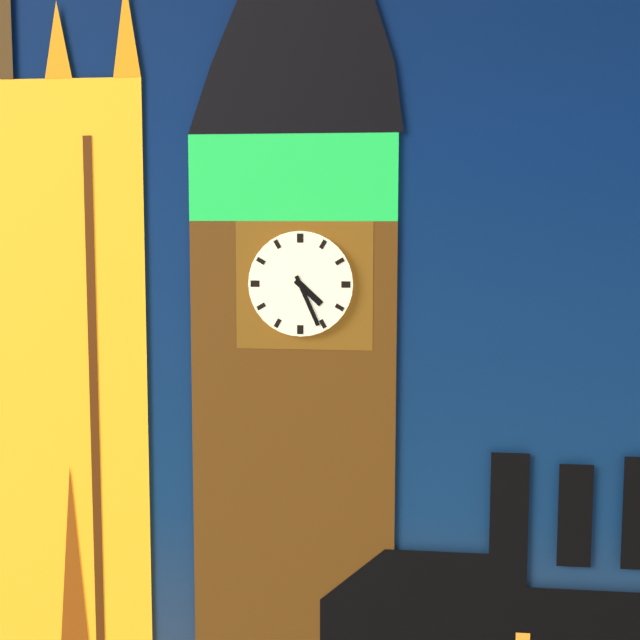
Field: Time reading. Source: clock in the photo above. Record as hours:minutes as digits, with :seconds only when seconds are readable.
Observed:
4:26
